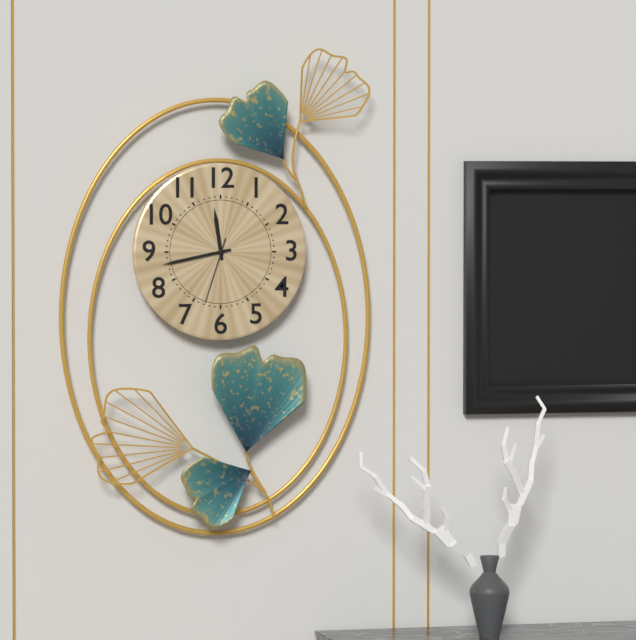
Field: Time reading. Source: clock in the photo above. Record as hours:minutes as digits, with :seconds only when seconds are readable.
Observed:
11:43:33
